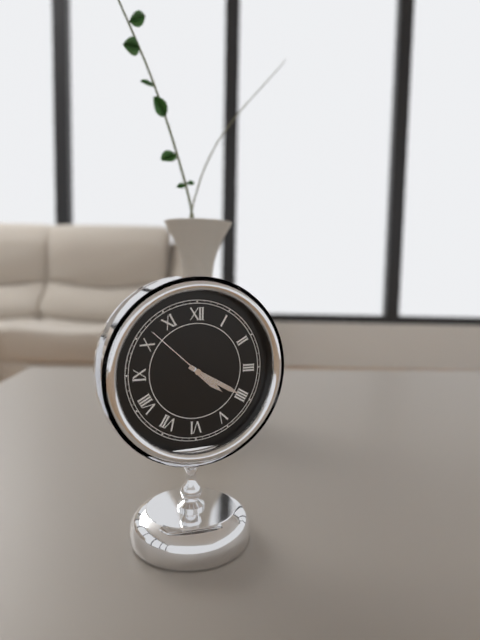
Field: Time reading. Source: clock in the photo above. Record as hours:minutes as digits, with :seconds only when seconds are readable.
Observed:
4:20:52
